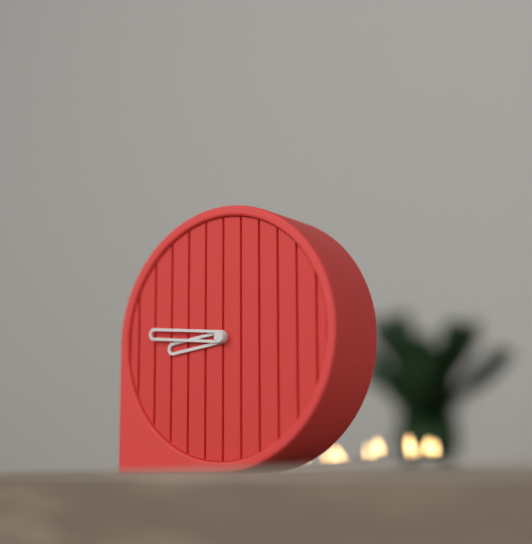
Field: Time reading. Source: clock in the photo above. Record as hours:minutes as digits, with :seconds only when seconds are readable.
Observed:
8:46
